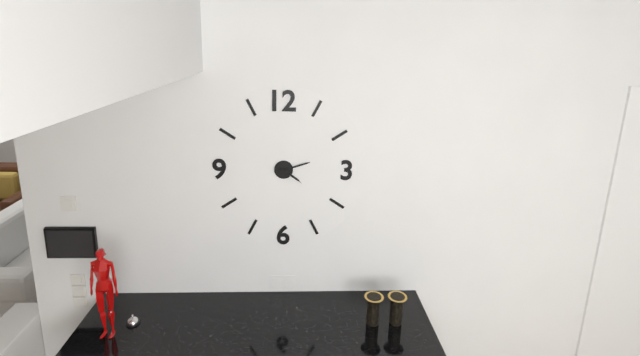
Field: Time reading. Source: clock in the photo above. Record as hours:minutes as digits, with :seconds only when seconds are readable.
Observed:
4:12
